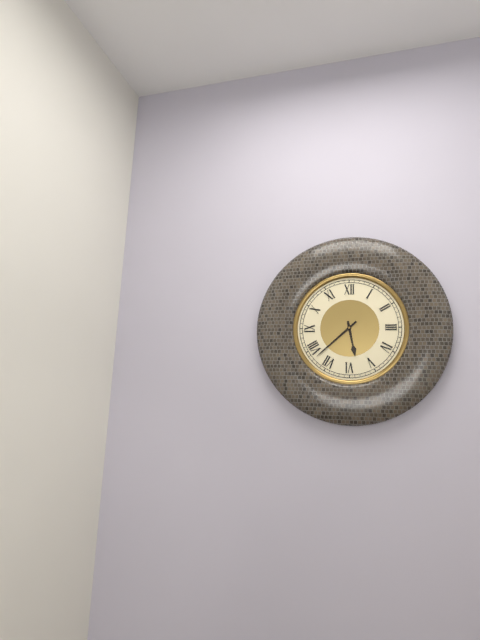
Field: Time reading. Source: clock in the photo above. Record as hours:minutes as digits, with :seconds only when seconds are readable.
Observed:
5:38
